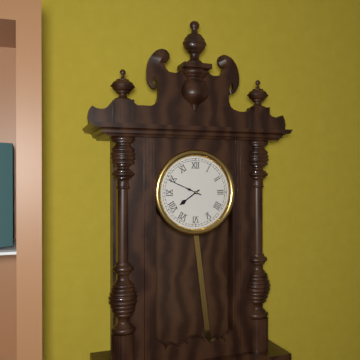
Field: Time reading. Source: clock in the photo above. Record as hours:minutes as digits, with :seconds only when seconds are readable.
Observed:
7:49
